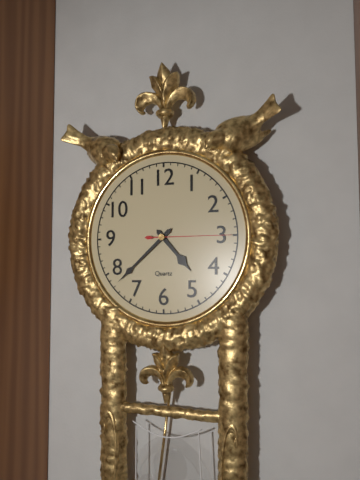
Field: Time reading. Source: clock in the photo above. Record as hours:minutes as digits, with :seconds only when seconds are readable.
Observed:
4:38:15
